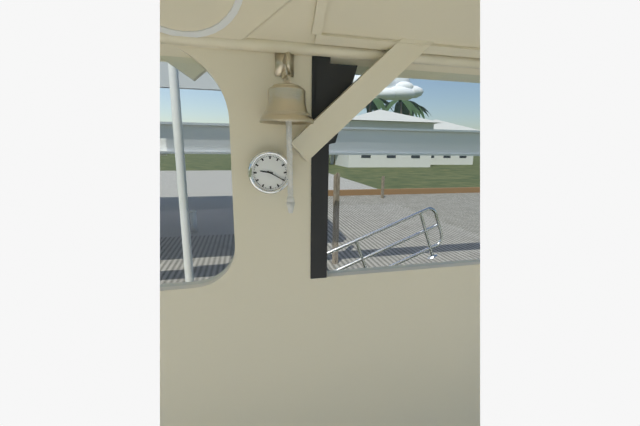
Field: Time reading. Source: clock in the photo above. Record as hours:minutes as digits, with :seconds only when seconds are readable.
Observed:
9:20
